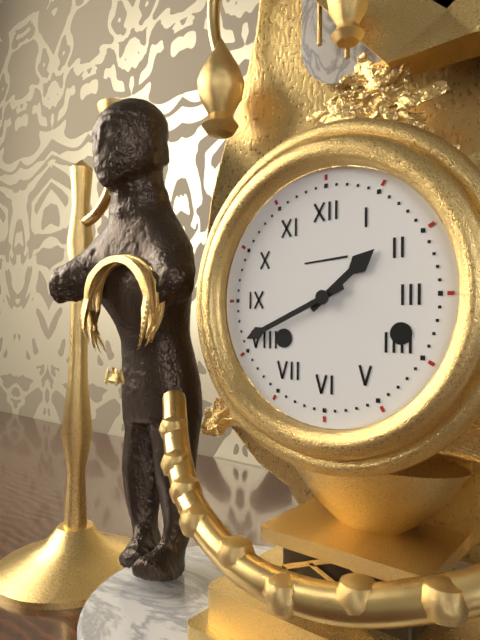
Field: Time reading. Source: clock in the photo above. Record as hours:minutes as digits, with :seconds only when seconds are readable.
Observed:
1:41
